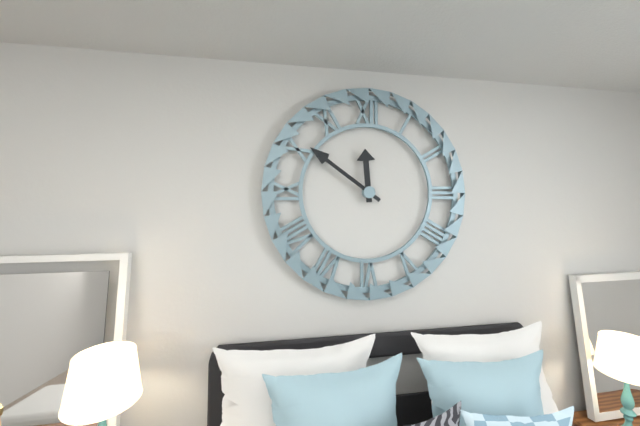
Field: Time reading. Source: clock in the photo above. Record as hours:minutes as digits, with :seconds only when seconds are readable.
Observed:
11:51
